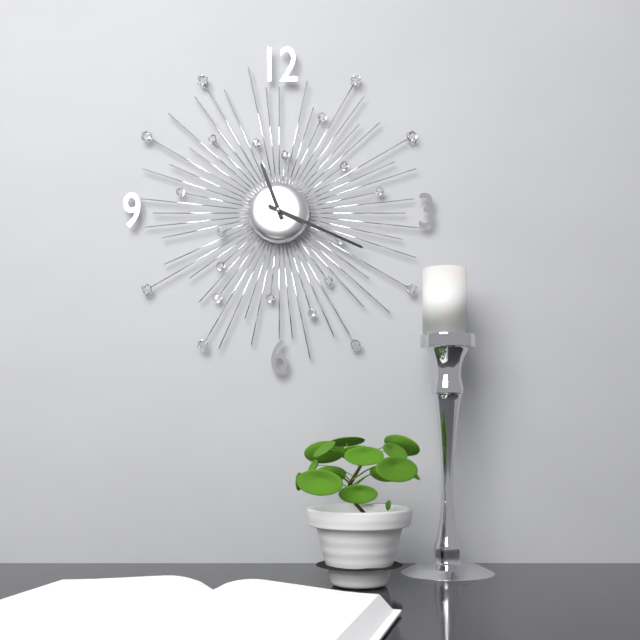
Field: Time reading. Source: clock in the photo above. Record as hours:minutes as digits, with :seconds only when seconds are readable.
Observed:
11:19
